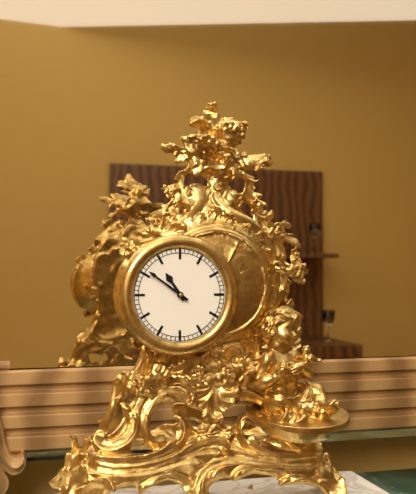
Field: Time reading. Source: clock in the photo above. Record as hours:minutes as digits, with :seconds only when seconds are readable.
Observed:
10:51
